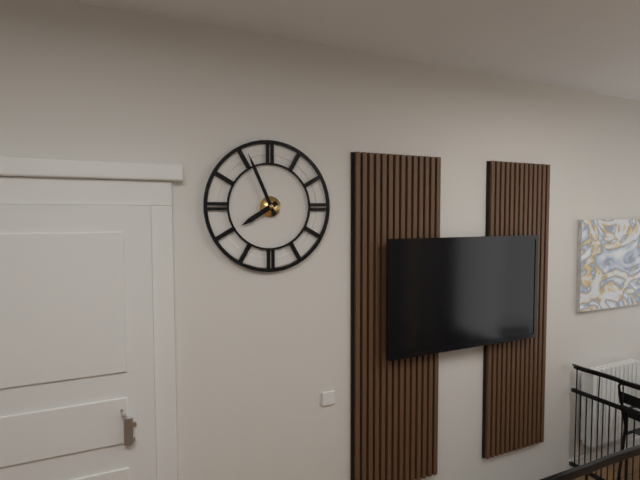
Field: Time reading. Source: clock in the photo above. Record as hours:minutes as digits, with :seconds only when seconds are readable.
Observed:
7:56
